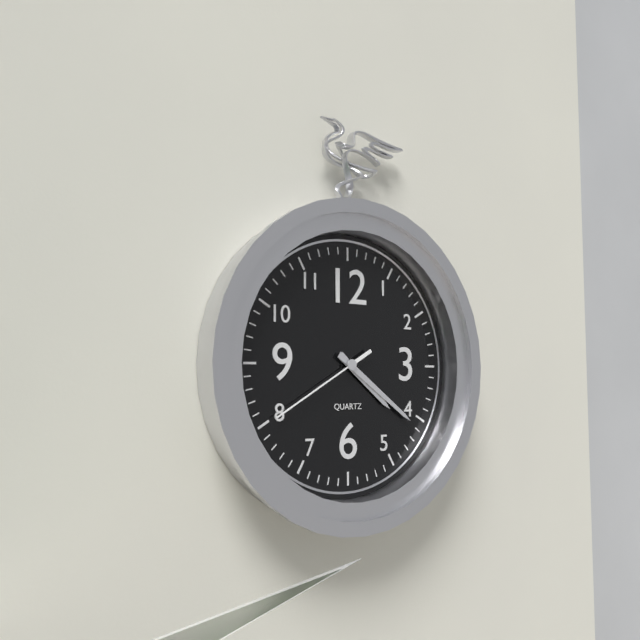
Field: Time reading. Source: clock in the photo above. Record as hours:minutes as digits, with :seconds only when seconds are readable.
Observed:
4:21:40
